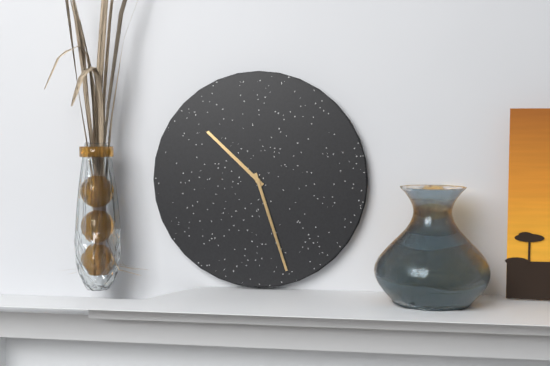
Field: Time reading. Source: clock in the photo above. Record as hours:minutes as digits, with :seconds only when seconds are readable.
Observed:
10:27
